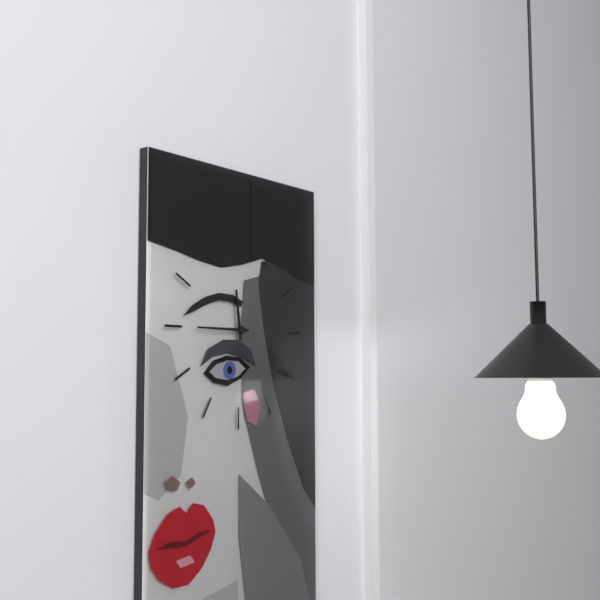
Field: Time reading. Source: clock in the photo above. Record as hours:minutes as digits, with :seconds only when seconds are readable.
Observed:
11:45
